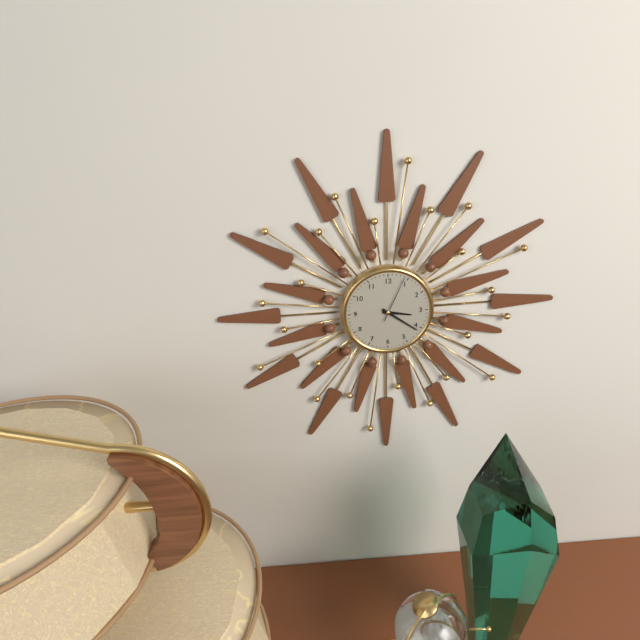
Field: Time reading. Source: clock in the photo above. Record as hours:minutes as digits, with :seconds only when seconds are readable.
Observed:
3:21
